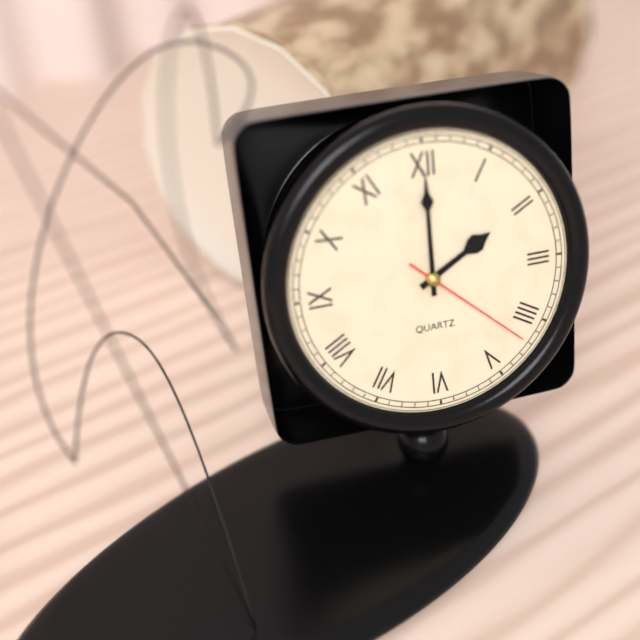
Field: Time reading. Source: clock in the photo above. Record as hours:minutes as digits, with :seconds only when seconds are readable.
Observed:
2:00:22
